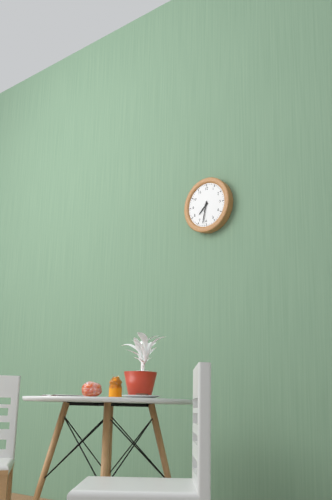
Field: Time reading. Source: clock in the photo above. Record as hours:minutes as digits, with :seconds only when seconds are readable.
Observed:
7:32
